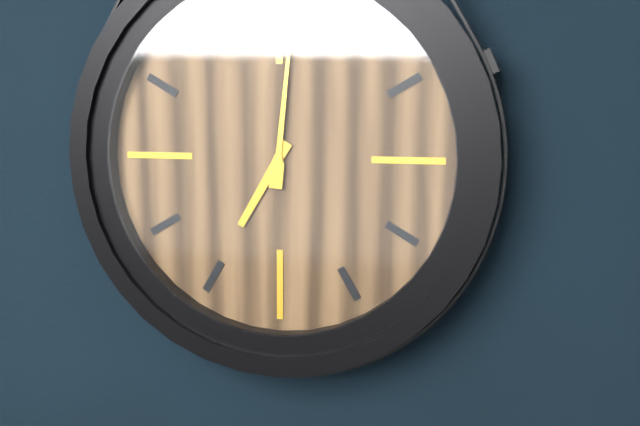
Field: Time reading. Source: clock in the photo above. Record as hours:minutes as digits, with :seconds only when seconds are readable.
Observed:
7:01
